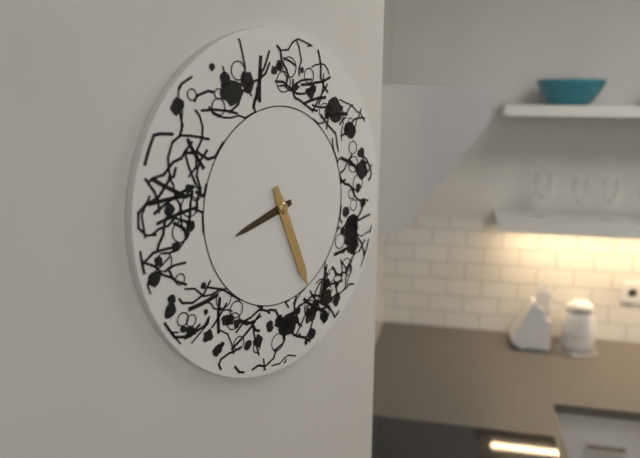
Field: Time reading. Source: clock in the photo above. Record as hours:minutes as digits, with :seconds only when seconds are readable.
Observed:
8:26
